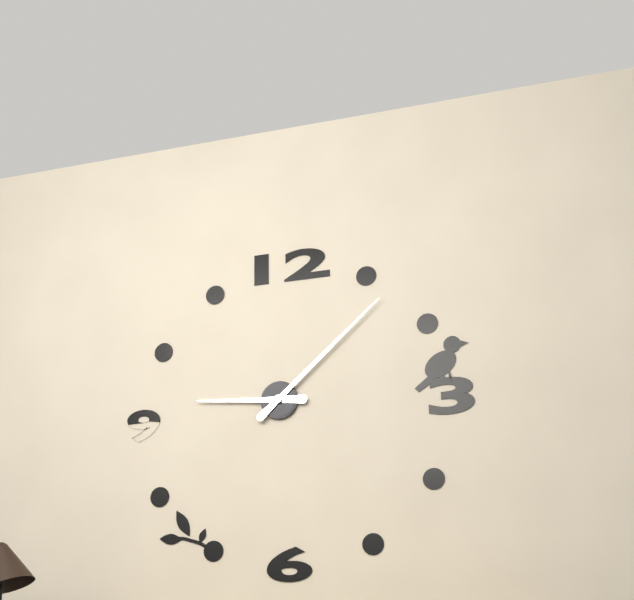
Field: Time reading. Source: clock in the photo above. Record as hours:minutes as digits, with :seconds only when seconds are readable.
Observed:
9:08
